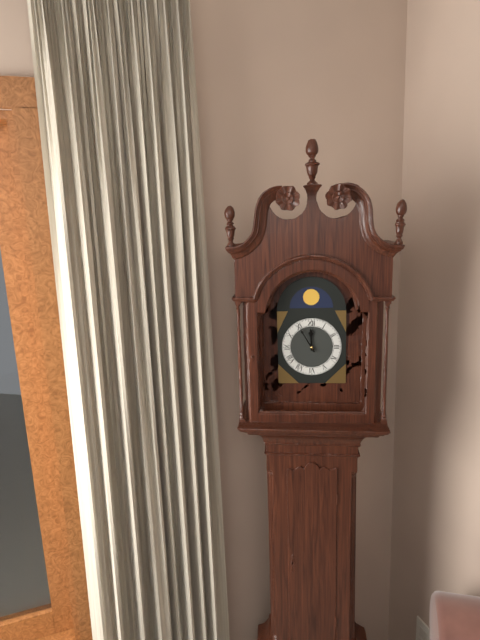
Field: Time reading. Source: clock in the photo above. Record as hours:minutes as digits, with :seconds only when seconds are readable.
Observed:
11:55
